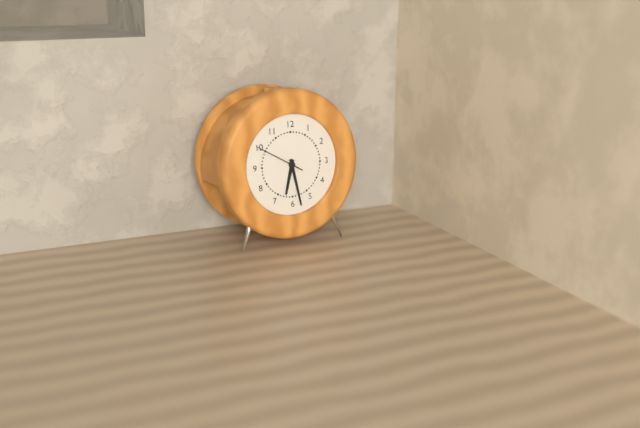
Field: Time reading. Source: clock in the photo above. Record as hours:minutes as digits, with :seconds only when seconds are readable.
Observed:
6:28:50
